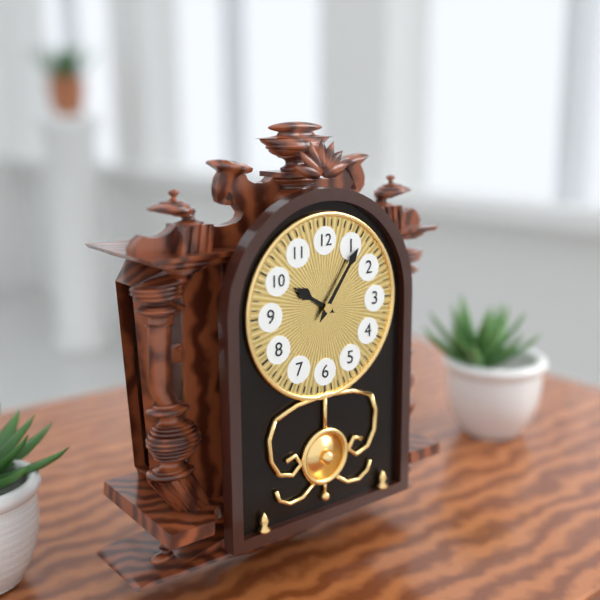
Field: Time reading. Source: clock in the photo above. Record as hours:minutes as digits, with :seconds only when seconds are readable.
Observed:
10:06
